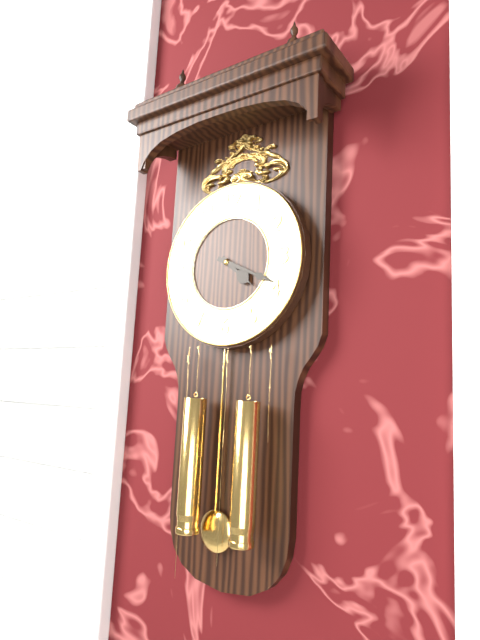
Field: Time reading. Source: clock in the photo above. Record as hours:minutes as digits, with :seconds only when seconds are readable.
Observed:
4:19
